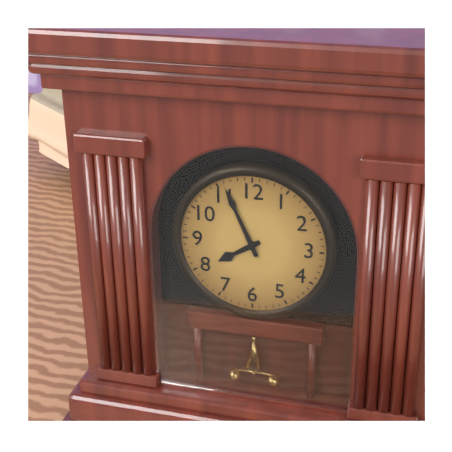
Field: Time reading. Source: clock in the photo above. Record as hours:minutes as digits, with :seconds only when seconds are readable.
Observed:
7:56
